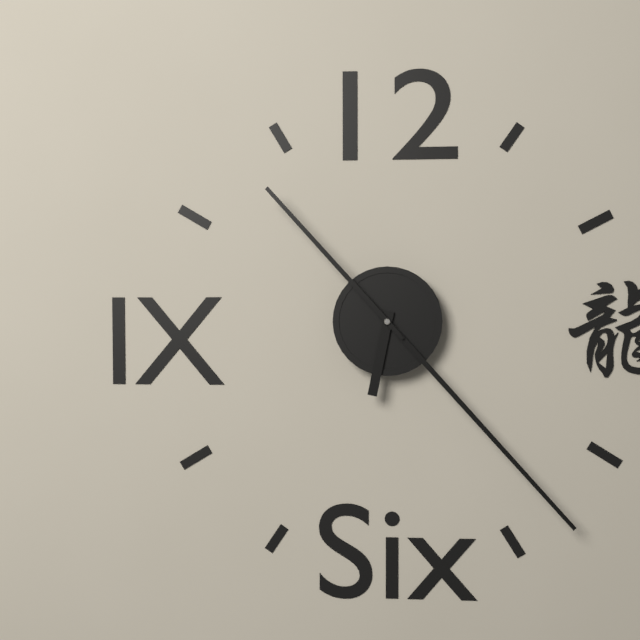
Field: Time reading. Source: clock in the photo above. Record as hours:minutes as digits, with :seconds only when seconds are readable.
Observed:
6:23:53
